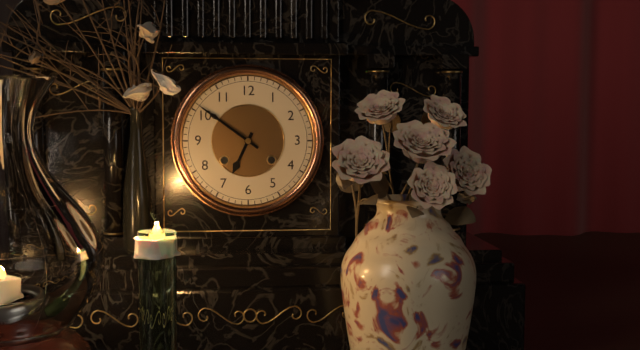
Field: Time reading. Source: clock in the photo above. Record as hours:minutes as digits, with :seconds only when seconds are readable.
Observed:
6:51
